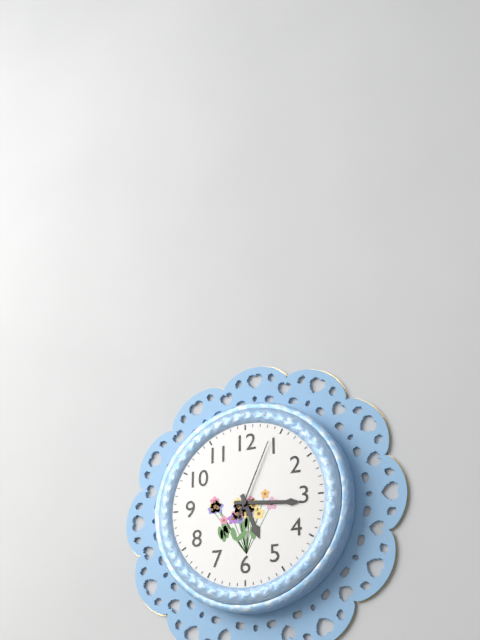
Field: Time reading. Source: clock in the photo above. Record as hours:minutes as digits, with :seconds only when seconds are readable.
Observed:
5:16:04
